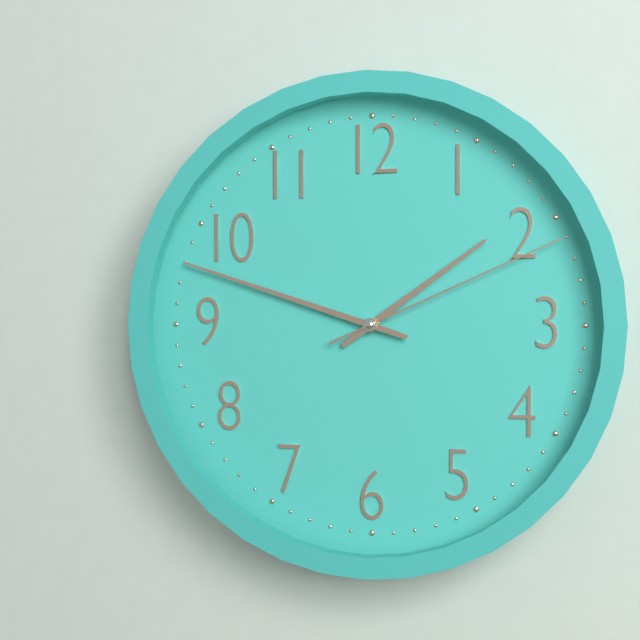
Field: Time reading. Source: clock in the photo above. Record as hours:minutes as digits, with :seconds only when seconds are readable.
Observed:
1:48:11
